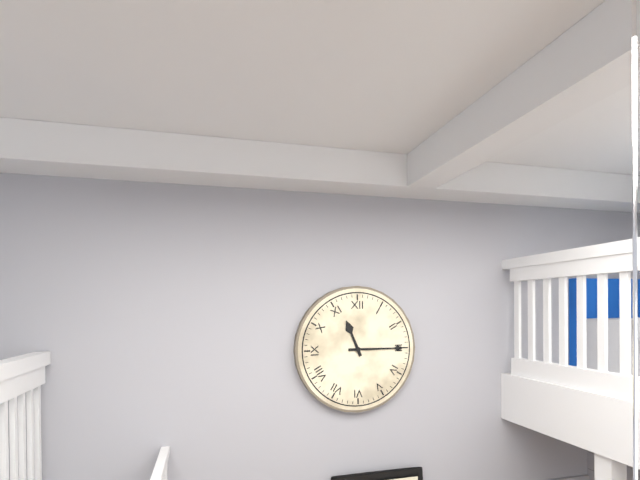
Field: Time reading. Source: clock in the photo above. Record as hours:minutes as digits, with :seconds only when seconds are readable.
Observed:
11:15
